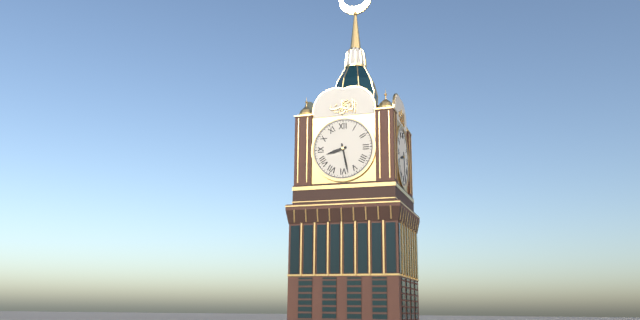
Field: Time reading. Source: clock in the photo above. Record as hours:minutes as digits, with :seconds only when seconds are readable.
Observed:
8:28
